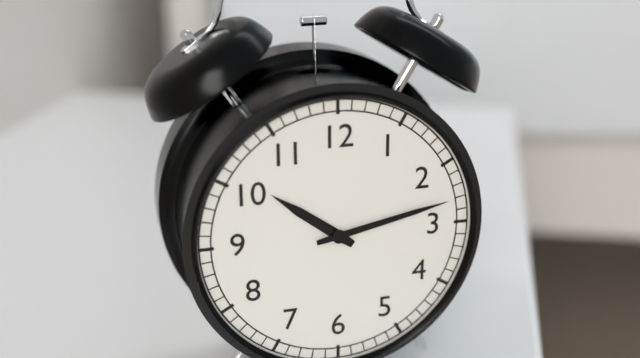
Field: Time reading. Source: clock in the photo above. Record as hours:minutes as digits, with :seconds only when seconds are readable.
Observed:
10:13
